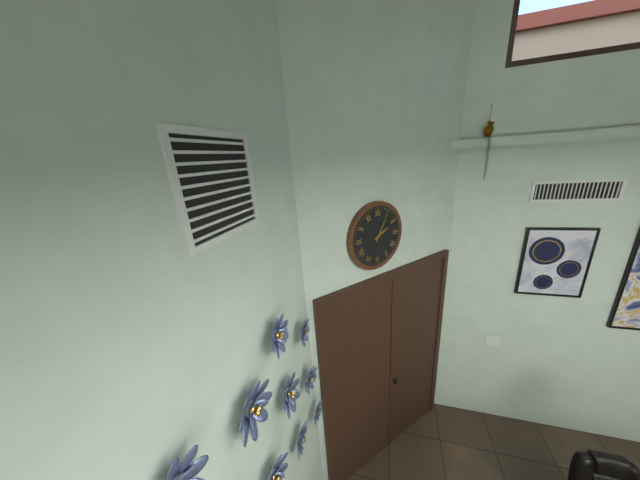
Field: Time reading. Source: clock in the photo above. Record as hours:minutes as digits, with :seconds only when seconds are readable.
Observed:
2:05
